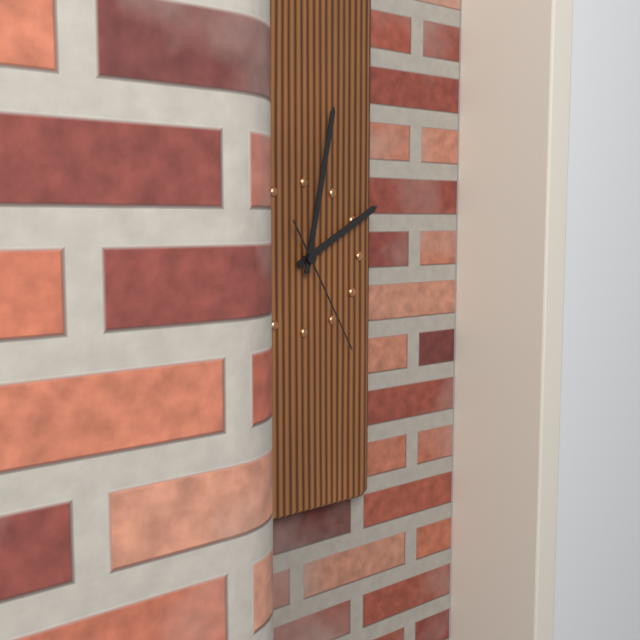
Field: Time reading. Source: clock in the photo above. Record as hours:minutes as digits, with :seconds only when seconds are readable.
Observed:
2:02:25
